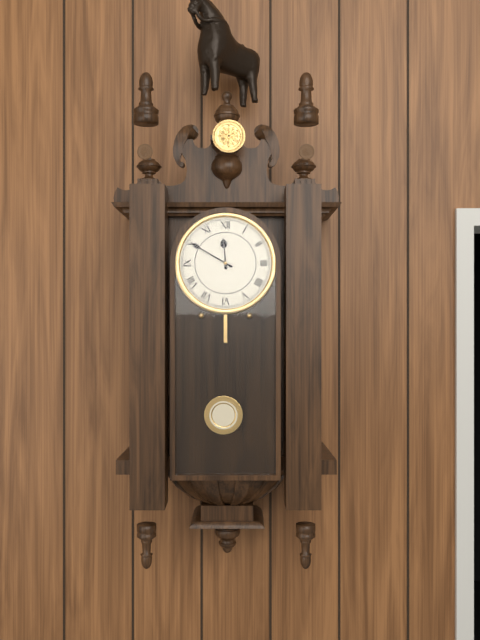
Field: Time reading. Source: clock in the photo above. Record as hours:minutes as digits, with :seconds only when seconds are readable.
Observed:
11:50
